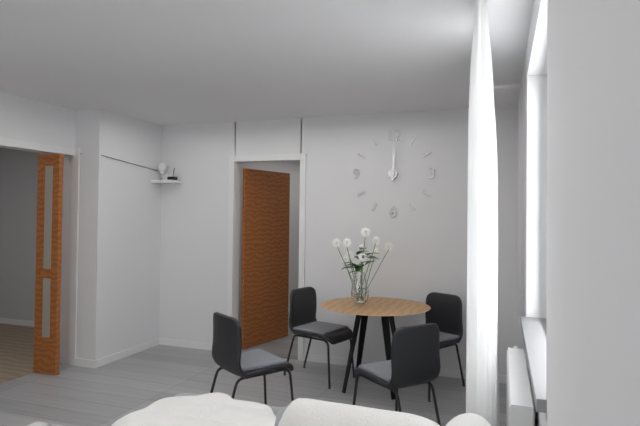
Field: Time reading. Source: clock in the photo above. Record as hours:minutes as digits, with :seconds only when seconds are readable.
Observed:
12:01
